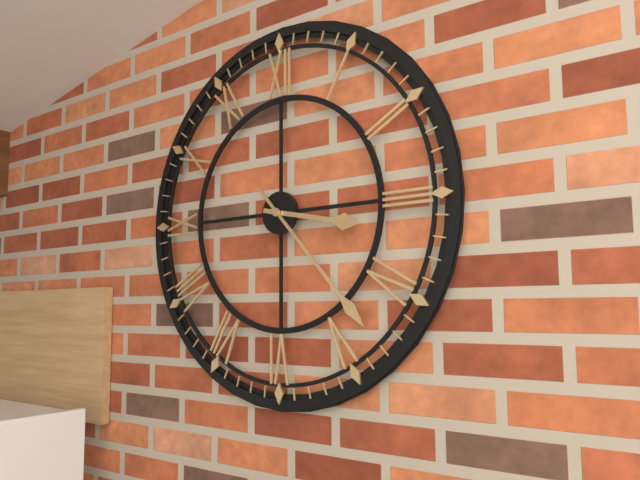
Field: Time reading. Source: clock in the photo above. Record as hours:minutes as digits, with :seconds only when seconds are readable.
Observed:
3:23
